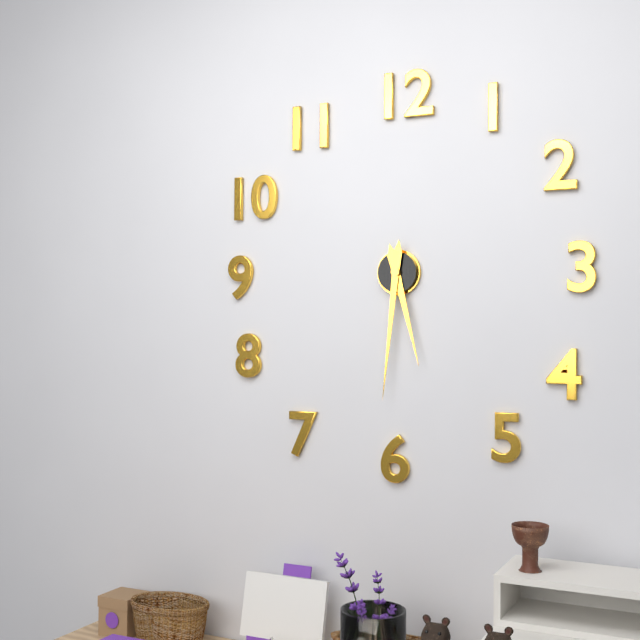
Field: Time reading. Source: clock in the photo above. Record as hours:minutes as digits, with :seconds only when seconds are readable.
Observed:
5:31
